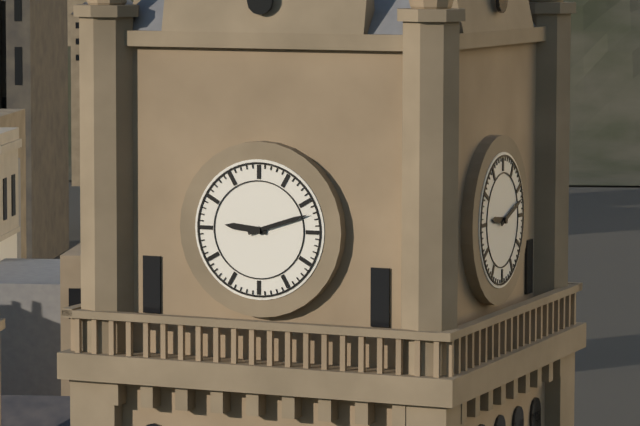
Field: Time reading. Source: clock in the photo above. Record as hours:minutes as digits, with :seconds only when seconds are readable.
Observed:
9:12
